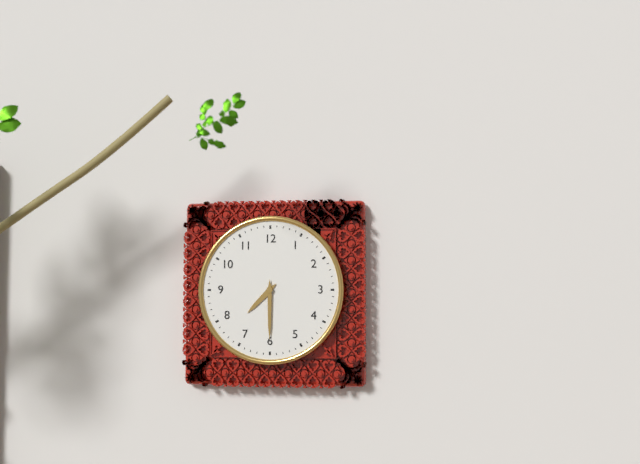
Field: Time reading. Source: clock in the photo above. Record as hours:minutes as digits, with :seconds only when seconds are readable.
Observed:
7:30
